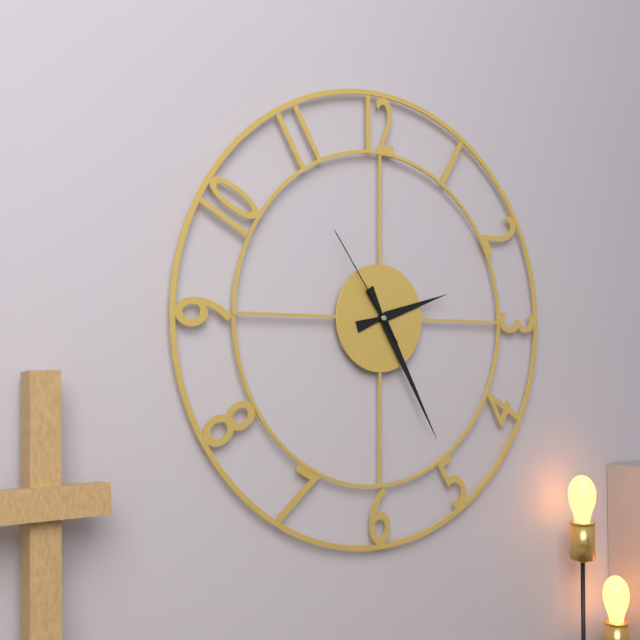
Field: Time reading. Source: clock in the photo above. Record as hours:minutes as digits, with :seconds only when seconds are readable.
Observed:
2:25:54
